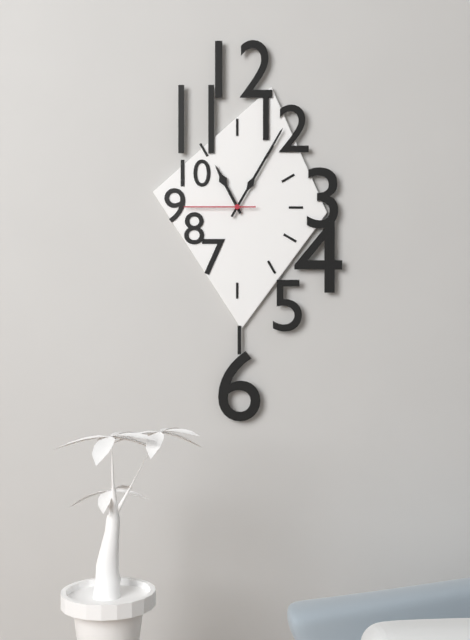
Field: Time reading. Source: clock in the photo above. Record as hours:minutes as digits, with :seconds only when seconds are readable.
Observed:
11:05:45
